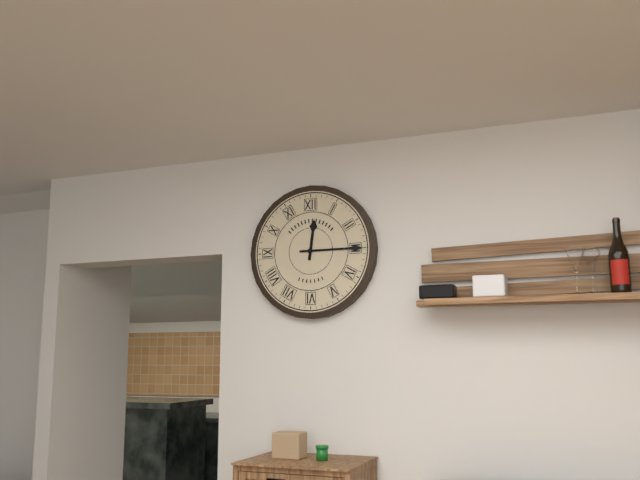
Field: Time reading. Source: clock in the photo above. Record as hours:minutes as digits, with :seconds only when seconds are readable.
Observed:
12:15
